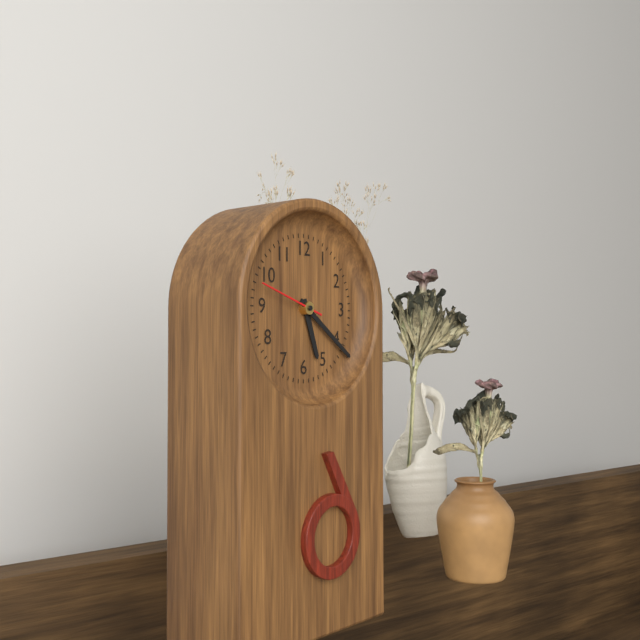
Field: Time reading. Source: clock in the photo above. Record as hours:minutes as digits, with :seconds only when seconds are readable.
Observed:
5:21:48
